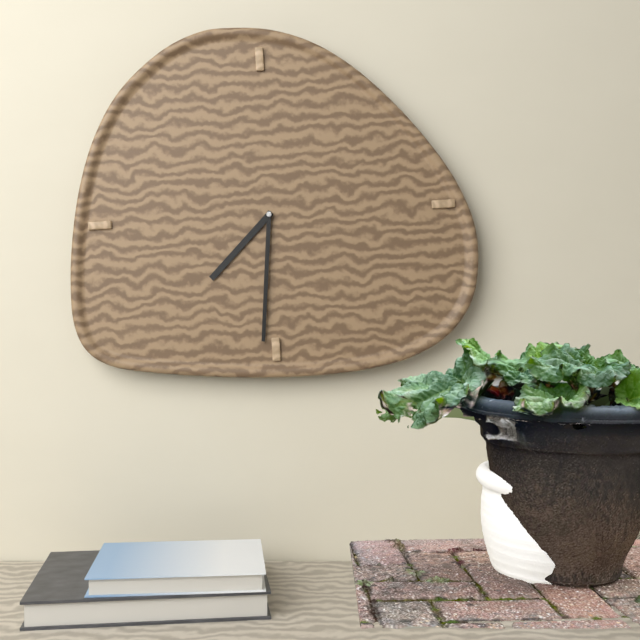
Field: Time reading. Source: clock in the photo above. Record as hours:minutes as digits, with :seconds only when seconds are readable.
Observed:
7:31
